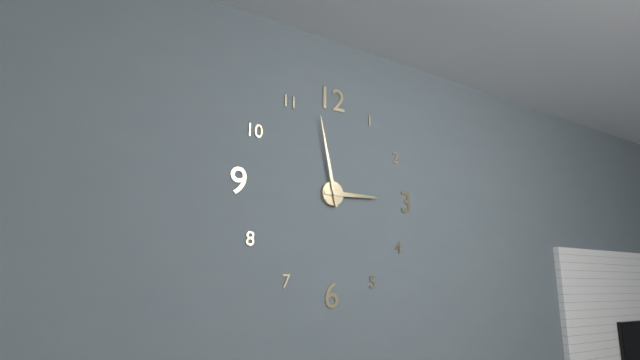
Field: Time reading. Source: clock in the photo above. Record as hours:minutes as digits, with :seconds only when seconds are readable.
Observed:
2:58
